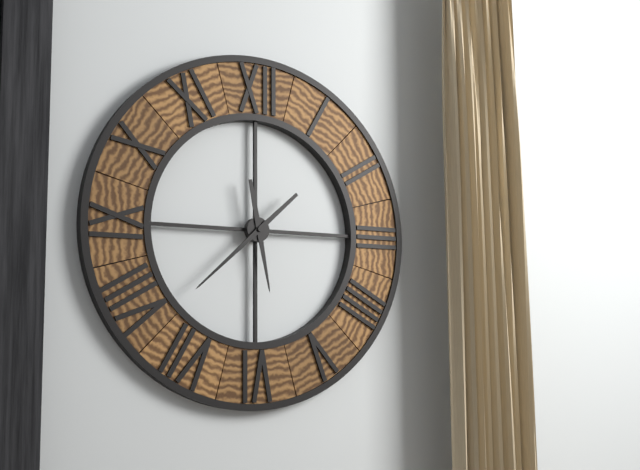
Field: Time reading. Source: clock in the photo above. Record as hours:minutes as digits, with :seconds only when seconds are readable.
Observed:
5:38
